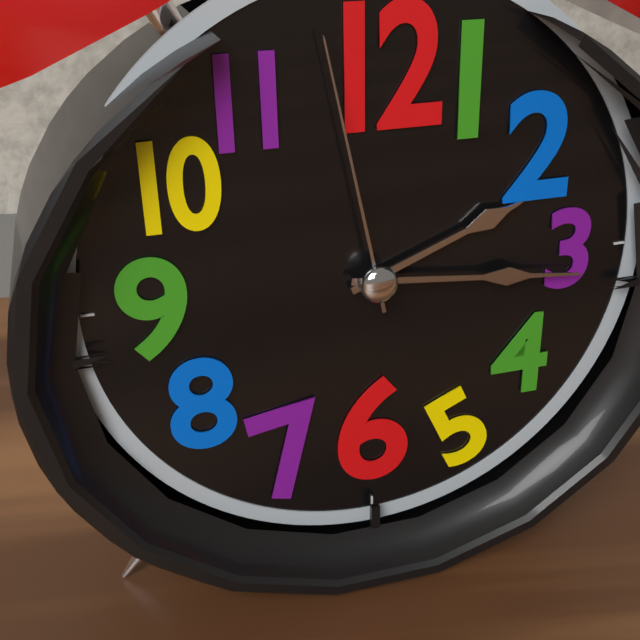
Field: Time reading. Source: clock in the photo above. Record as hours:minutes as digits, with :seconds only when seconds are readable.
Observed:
2:16:58
